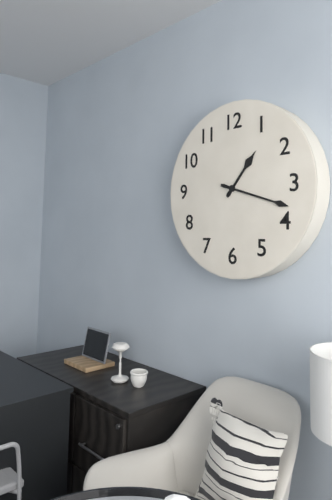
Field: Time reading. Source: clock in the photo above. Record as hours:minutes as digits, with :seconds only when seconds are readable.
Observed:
1:18
